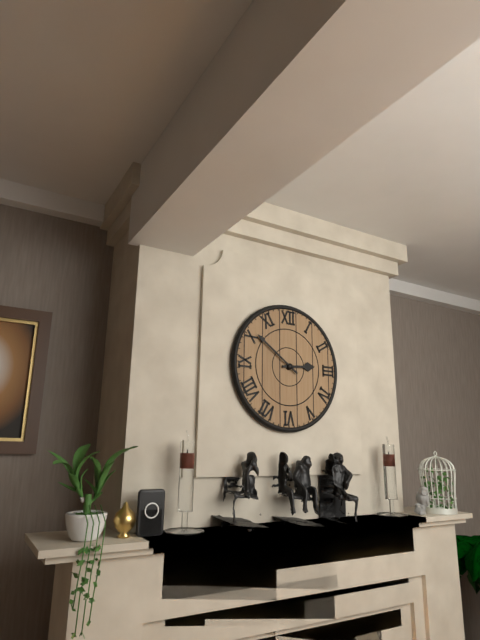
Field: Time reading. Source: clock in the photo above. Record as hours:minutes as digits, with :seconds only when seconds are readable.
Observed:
2:51
